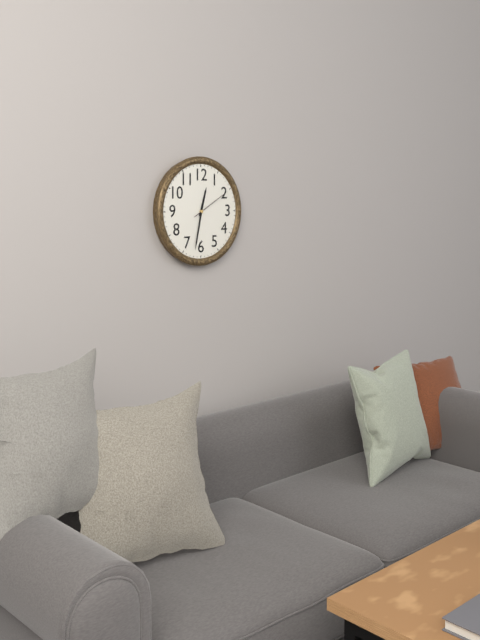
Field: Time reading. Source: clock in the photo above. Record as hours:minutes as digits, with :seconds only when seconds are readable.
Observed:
12:32
